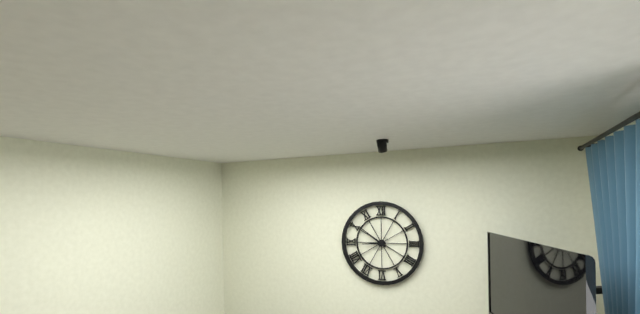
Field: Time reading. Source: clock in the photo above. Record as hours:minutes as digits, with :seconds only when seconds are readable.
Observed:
8:51
